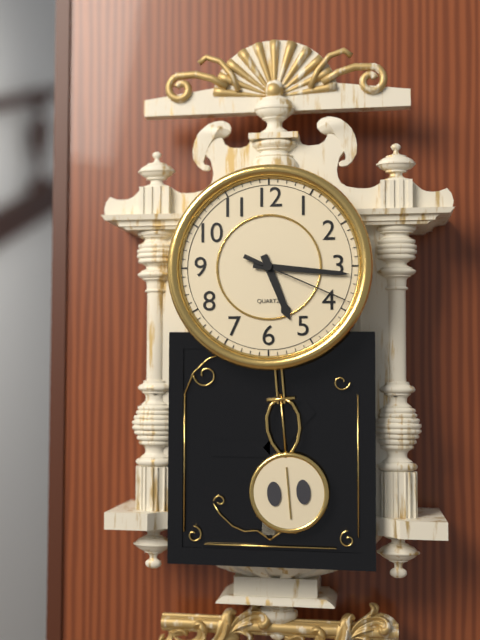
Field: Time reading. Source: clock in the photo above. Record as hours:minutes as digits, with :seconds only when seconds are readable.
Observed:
5:16:19
